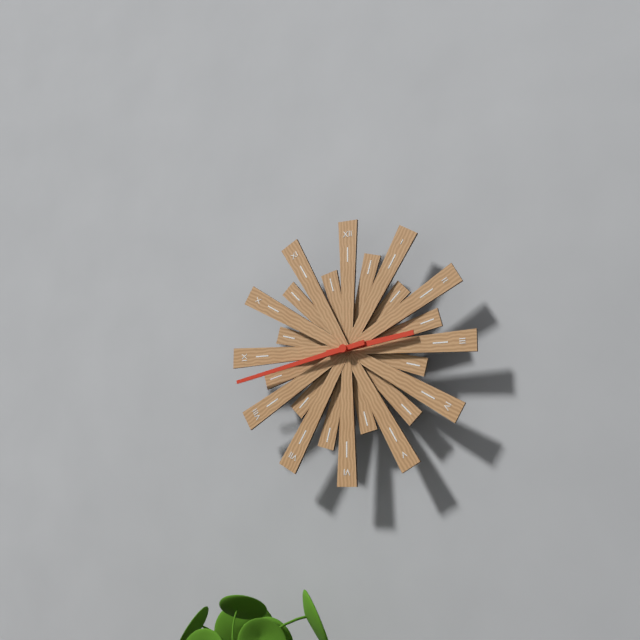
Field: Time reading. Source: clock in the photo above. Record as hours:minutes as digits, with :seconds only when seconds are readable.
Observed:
2:43
